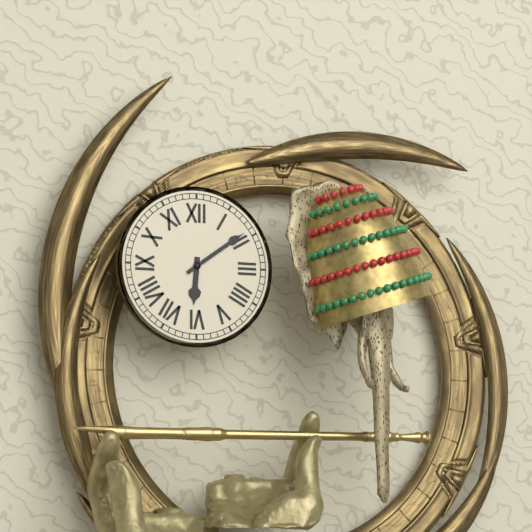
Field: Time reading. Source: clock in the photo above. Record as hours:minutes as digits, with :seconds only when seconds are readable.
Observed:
6:09
